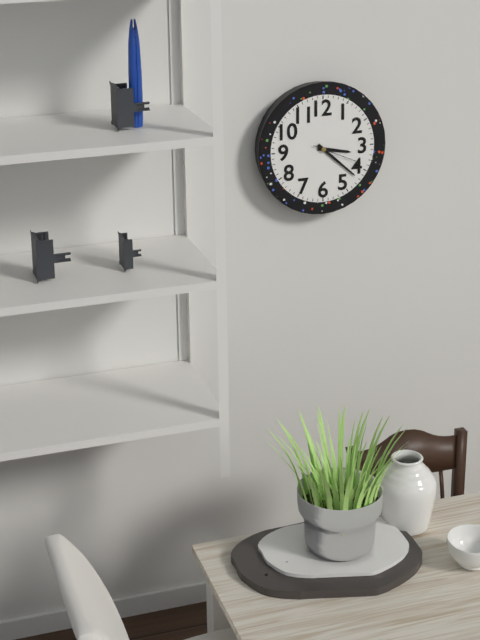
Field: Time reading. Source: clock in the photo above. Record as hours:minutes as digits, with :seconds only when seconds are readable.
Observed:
3:22:19
